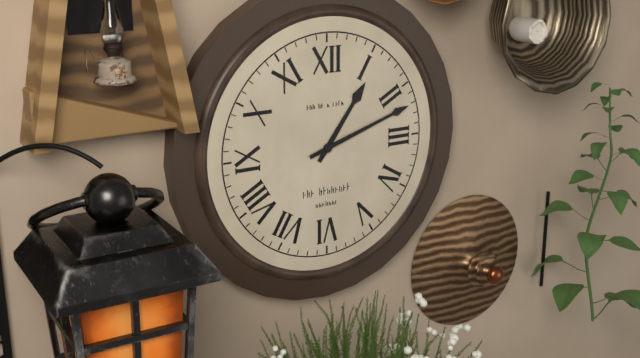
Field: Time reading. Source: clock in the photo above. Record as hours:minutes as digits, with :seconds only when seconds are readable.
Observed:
1:12
